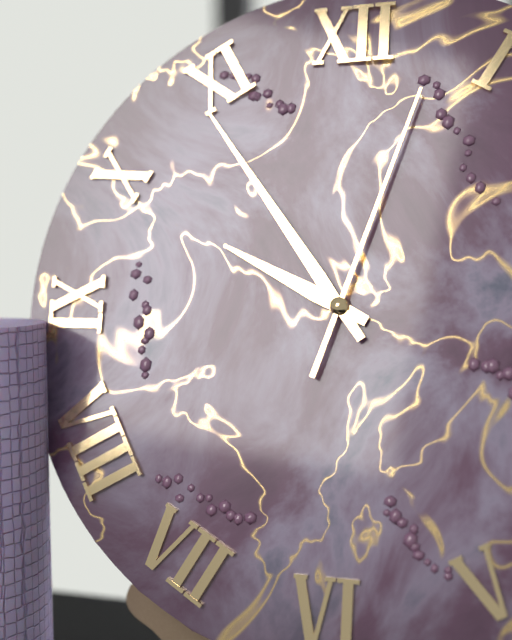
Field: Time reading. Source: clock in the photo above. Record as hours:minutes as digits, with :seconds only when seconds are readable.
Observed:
9:54:03
